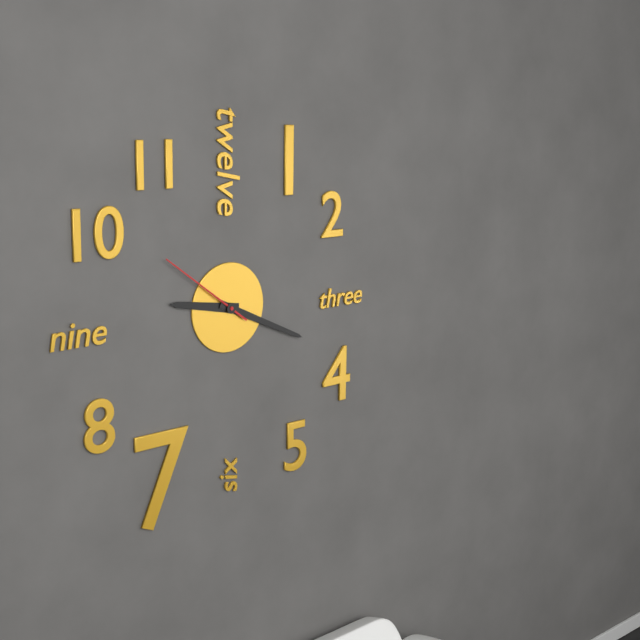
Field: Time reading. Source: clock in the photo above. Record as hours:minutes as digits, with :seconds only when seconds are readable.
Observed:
9:19:51
